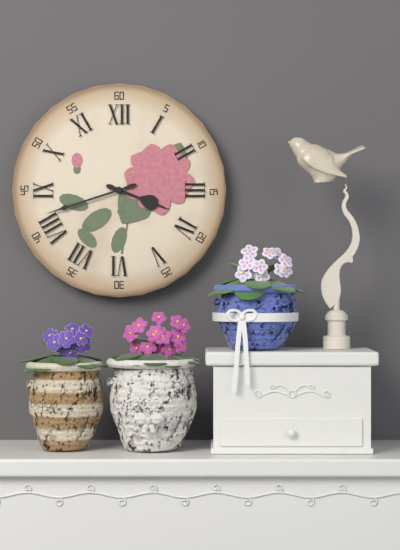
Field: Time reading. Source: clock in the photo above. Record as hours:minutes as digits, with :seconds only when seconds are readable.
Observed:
3:42
